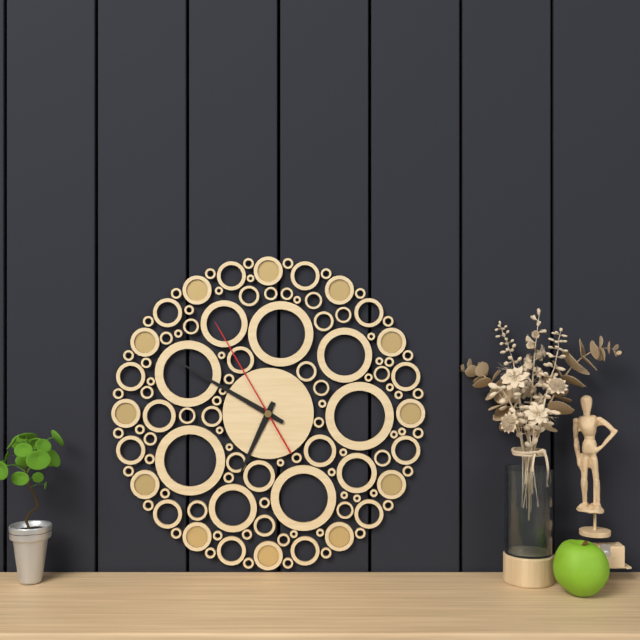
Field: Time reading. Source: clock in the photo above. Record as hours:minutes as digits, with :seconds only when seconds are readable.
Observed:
6:50:55
